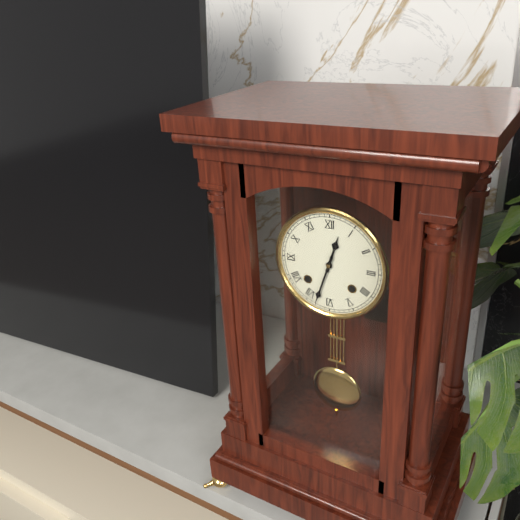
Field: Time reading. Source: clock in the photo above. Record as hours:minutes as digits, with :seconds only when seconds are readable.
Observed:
12:33
